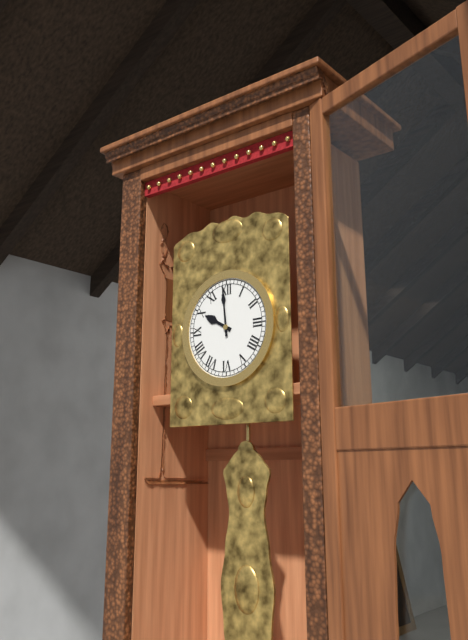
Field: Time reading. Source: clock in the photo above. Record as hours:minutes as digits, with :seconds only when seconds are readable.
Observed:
9:59
